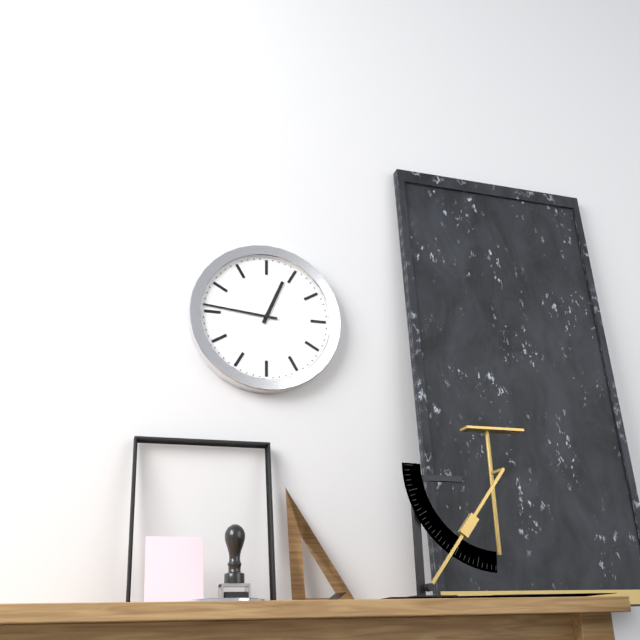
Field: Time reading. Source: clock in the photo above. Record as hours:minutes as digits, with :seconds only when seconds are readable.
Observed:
12:46
